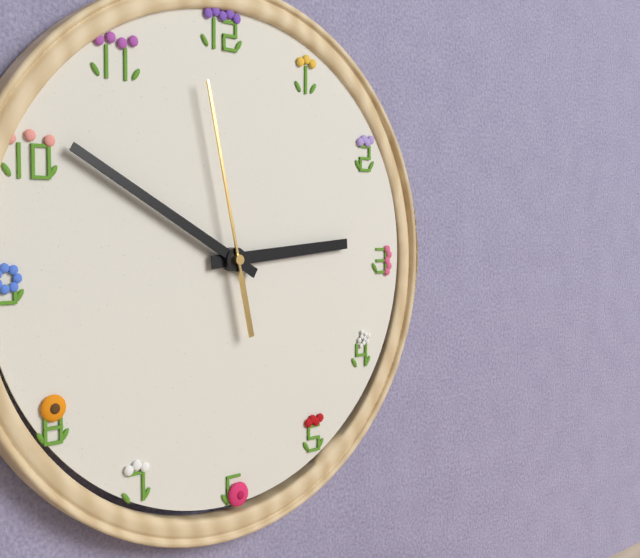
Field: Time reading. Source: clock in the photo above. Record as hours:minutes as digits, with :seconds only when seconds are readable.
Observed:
2:50:58
